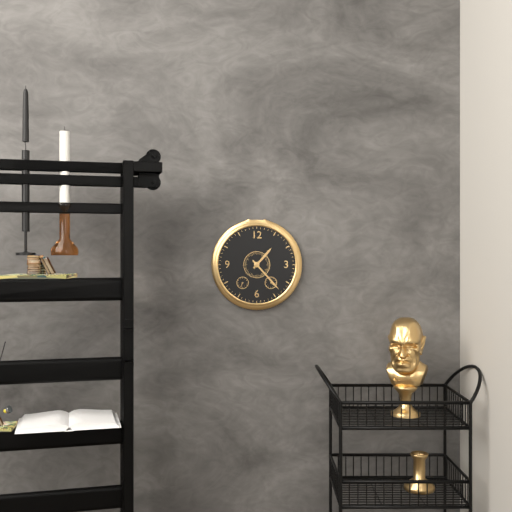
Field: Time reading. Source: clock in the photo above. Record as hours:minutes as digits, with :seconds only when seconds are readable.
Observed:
1:23
